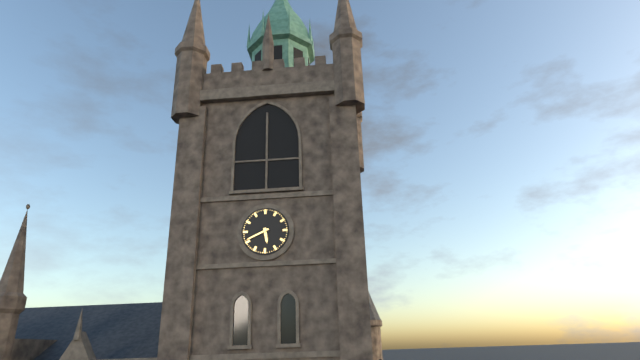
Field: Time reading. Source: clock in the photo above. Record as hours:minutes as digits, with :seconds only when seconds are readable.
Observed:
5:41
